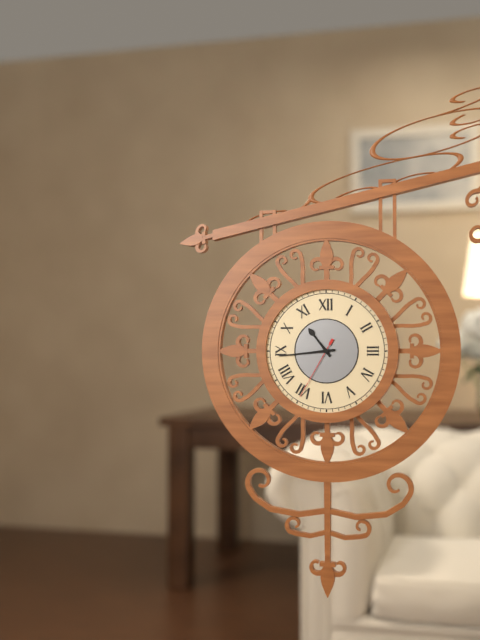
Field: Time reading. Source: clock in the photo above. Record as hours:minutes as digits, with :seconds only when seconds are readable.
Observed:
10:44:35
